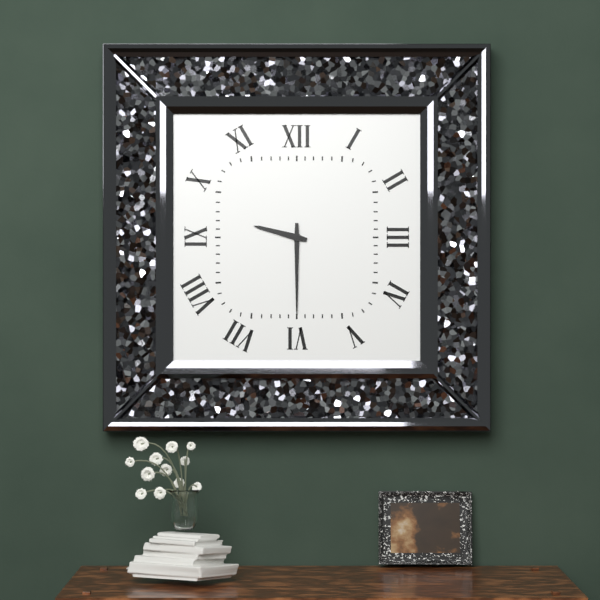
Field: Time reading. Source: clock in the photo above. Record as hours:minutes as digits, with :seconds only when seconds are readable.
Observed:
9:30
